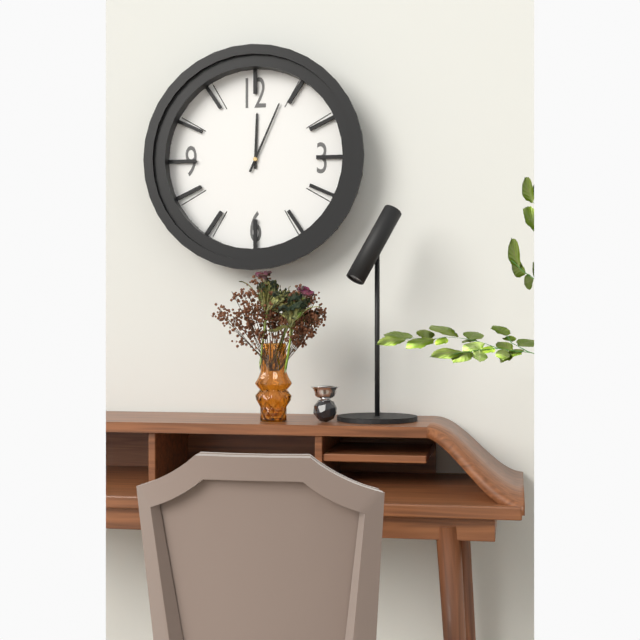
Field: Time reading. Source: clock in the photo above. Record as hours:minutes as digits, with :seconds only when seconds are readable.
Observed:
12:04
